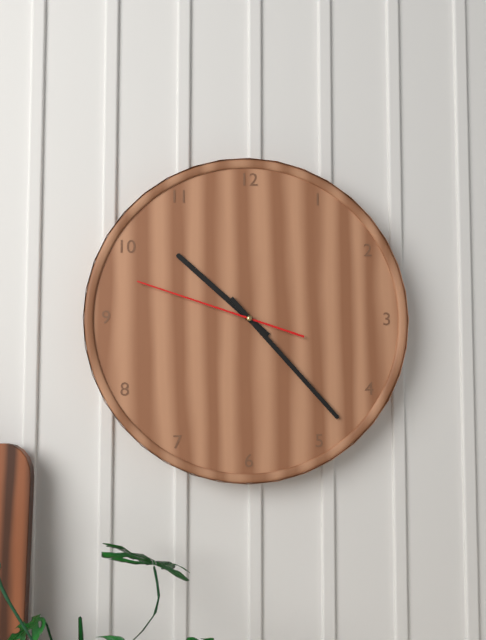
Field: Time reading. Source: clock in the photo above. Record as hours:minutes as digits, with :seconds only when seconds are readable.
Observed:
10:23:48
